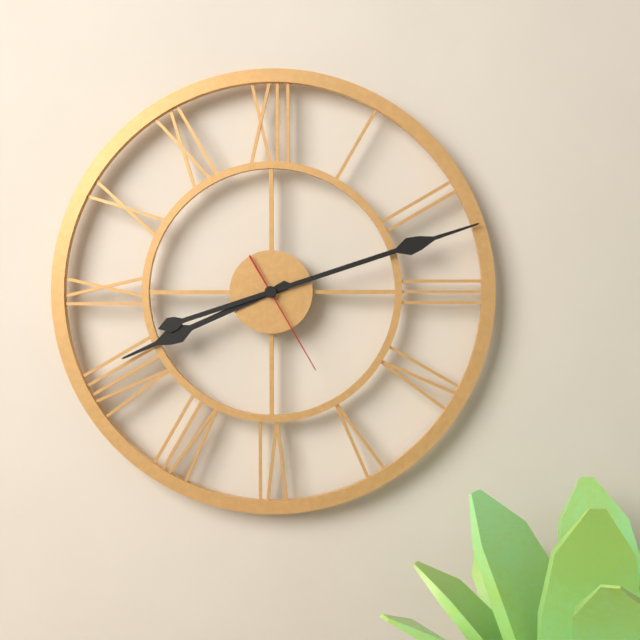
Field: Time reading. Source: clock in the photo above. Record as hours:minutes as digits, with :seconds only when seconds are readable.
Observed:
8:12:25
